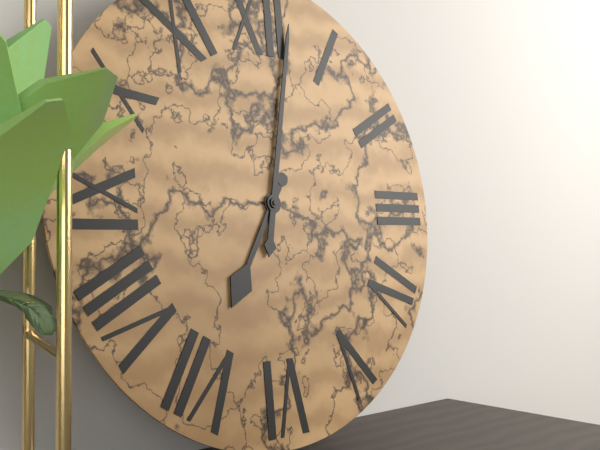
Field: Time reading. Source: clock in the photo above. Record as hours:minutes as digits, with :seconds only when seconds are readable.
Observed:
7:02
